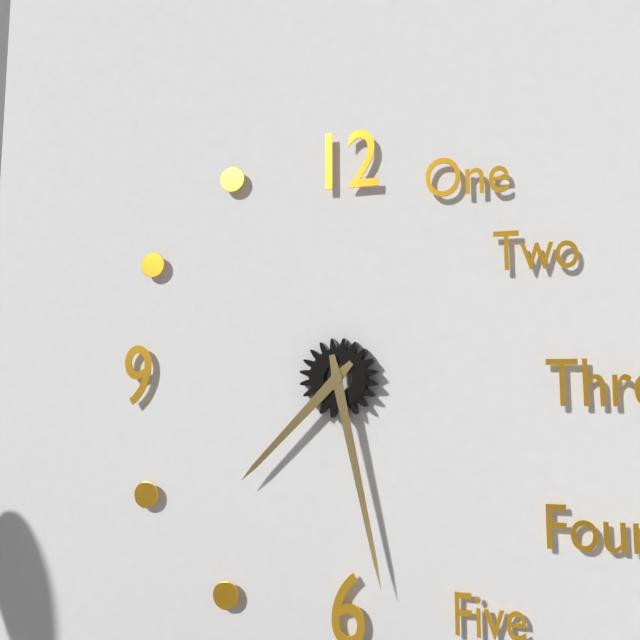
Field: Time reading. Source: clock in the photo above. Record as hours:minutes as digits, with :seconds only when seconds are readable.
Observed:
7:28
